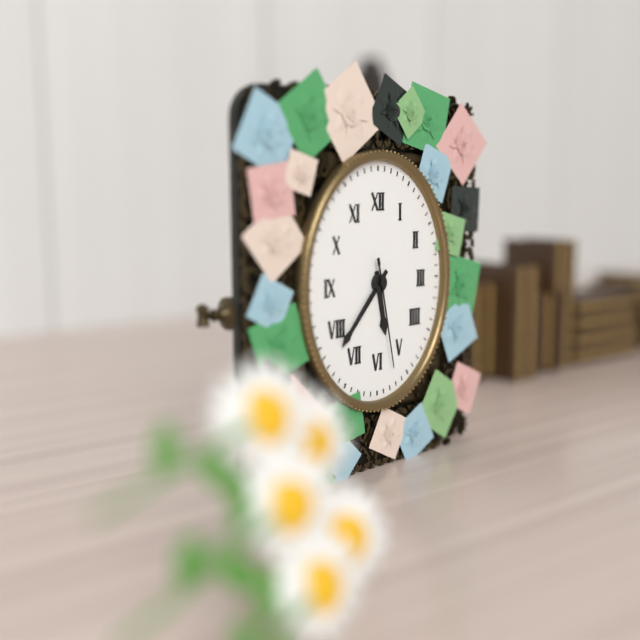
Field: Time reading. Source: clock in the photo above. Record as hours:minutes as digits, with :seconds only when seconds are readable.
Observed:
5:37:28
